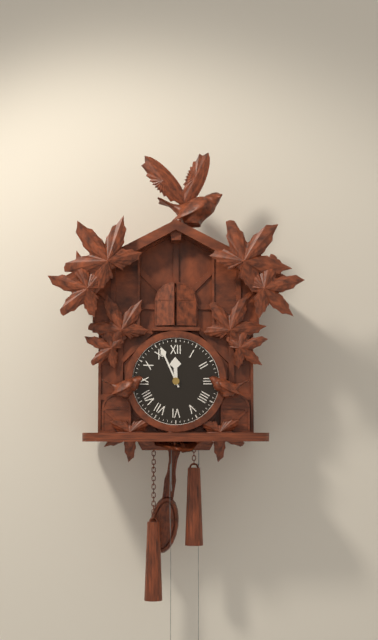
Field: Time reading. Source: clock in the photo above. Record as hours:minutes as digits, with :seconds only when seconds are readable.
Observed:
11:56
